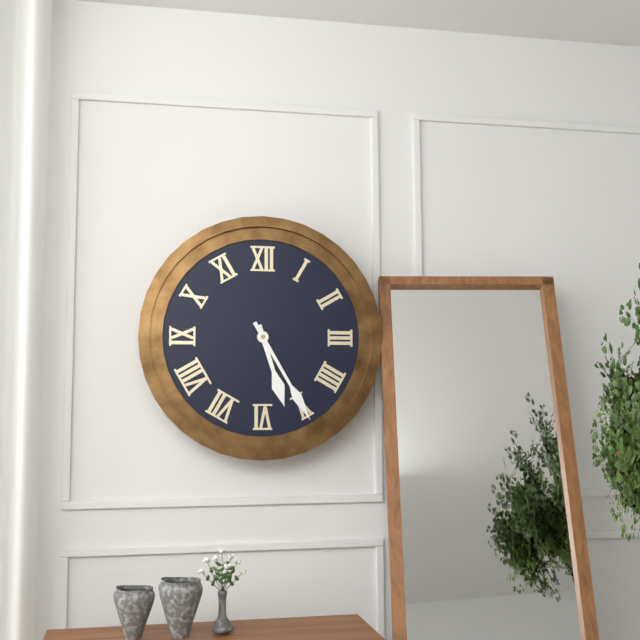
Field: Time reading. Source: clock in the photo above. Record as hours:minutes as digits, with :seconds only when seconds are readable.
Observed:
5:25
